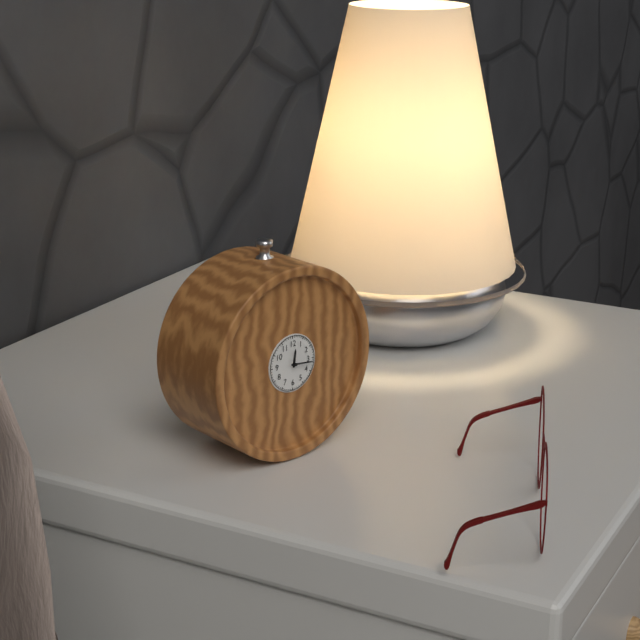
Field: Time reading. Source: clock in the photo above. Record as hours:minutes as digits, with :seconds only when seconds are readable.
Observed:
12:16
